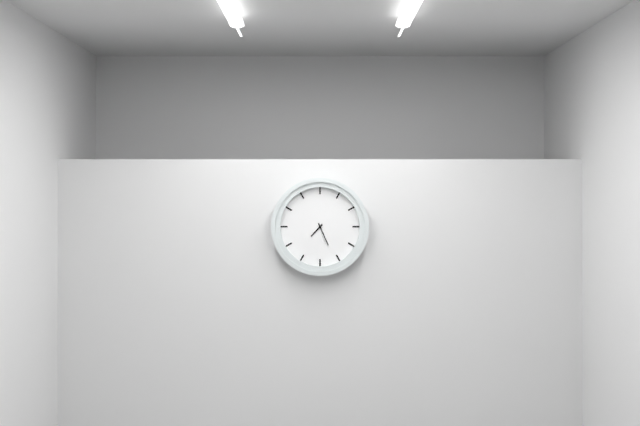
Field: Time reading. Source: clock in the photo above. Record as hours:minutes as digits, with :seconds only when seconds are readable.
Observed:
7:26
